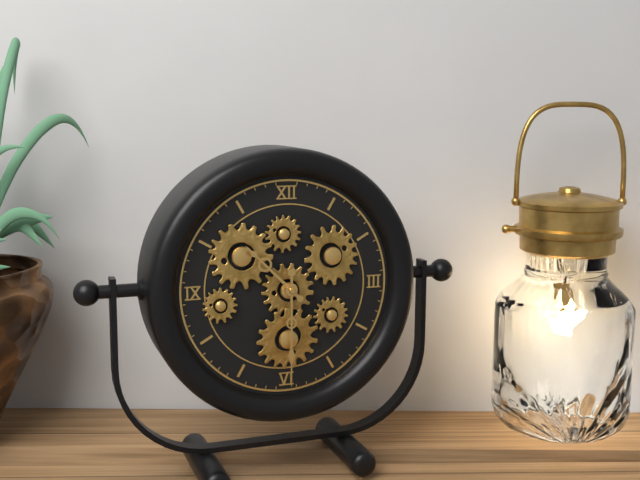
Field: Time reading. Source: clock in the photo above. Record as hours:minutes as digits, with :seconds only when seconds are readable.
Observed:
10:30
